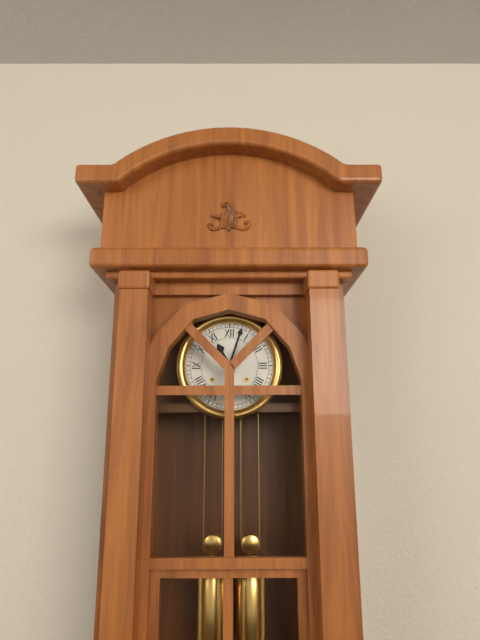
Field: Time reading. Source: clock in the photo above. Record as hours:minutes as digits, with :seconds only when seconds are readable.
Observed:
11:03
